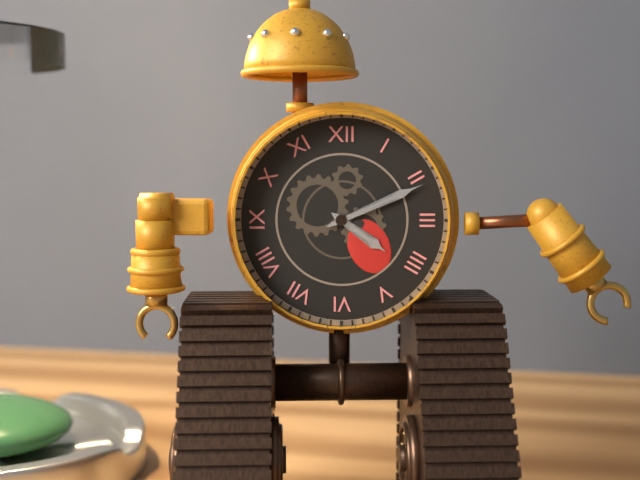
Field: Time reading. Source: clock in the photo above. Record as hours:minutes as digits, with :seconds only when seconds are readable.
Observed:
4:11
